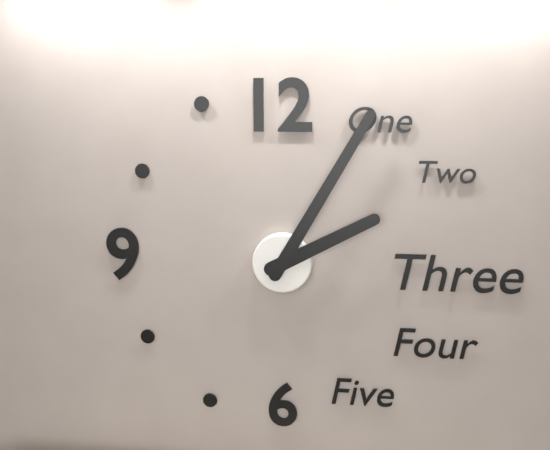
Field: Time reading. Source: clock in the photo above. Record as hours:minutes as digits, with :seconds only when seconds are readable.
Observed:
2:05
